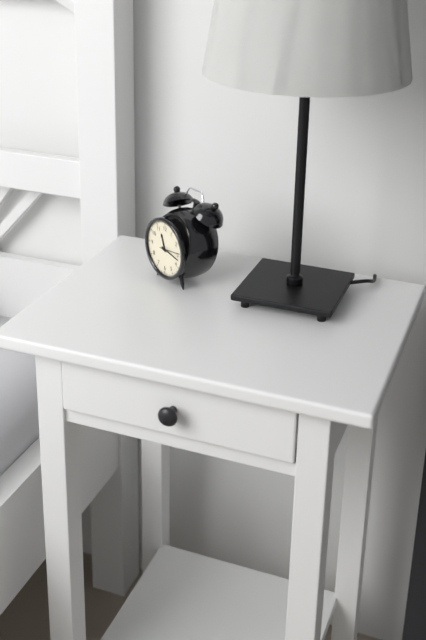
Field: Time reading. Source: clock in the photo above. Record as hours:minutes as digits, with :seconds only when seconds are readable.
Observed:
11:17
